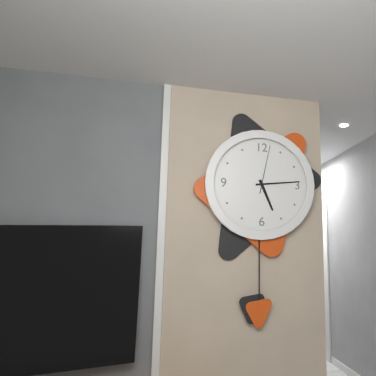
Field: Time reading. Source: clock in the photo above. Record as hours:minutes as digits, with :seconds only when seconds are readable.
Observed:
5:14:02
